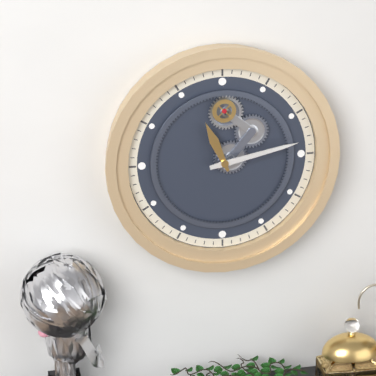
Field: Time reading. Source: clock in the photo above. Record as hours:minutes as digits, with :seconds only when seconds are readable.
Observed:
11:13
